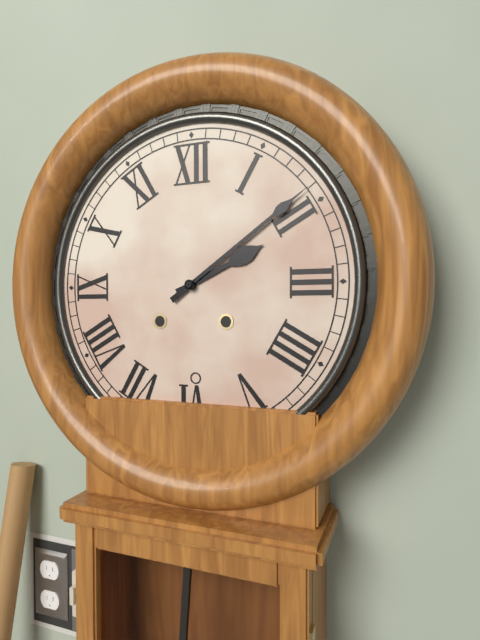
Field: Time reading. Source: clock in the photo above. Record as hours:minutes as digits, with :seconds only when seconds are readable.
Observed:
2:09
